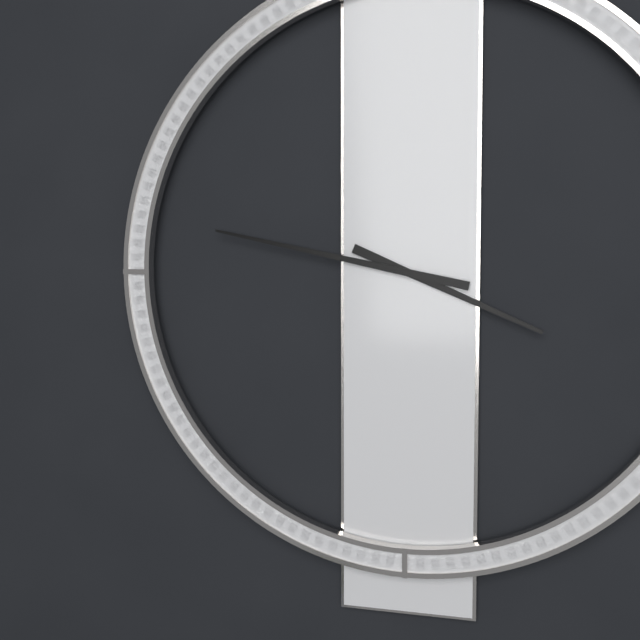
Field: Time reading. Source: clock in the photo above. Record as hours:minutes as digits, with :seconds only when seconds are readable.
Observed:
3:47
